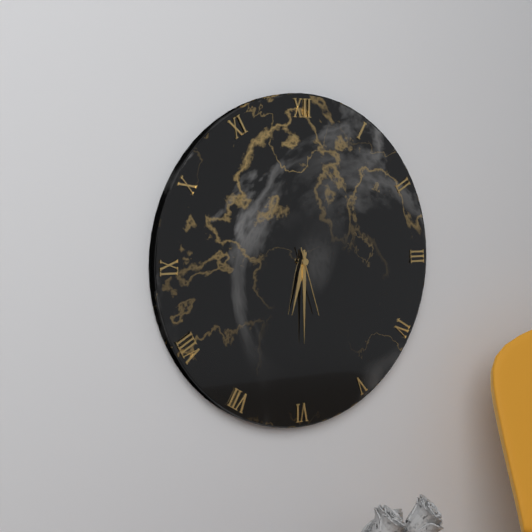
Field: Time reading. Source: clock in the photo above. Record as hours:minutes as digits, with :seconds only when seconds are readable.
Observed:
6:30:27
